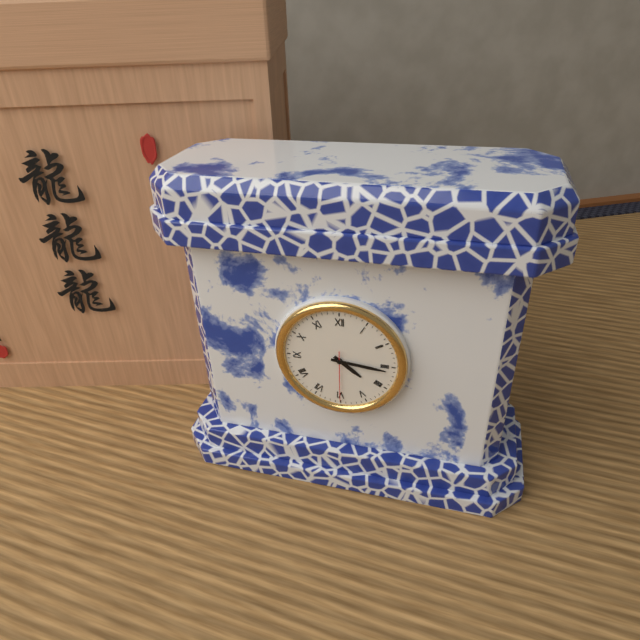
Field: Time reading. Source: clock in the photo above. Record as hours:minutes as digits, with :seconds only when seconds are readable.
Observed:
4:16:30
